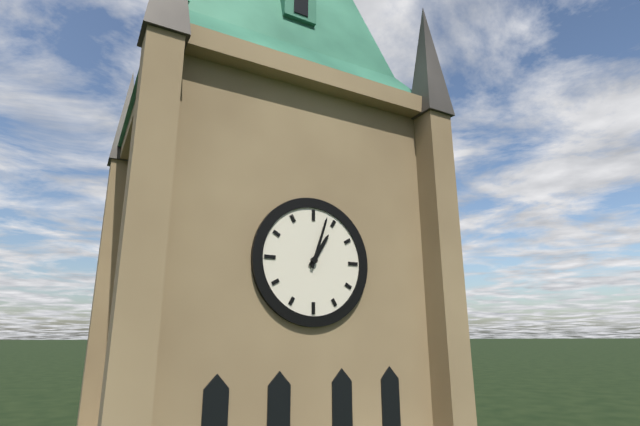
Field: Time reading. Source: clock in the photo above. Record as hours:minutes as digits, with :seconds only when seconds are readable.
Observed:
1:03
